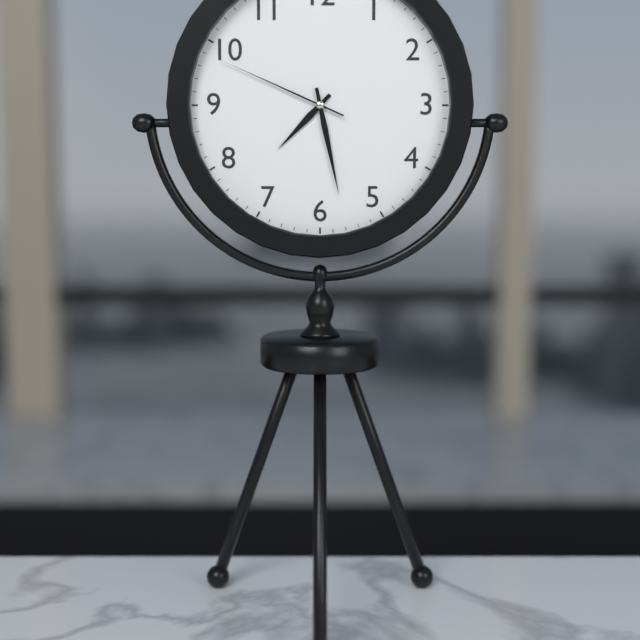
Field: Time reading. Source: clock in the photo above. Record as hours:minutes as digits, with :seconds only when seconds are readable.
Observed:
7:28:49
